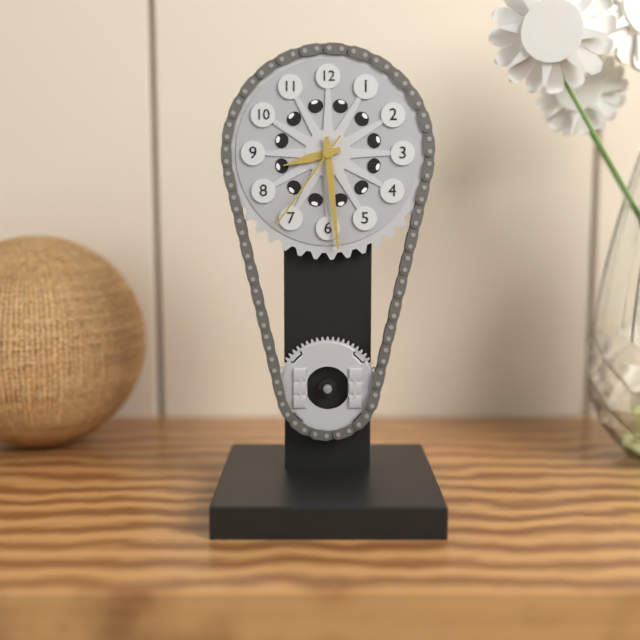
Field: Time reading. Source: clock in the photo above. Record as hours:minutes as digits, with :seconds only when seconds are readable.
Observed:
8:29:36
